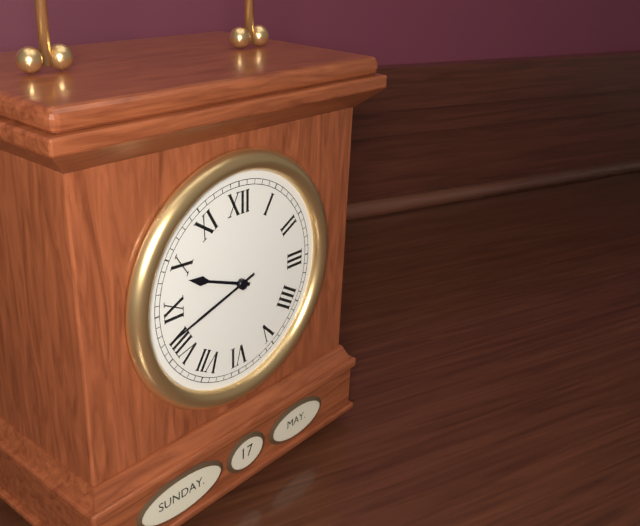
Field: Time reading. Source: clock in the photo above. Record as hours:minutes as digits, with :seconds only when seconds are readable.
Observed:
9:42
